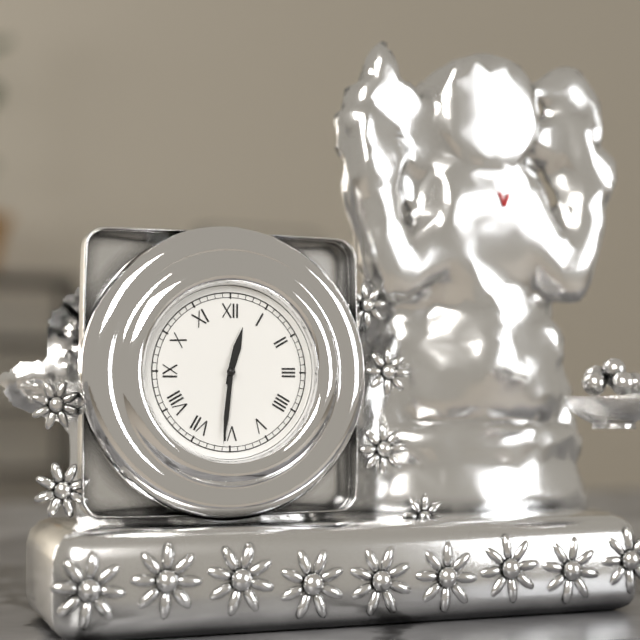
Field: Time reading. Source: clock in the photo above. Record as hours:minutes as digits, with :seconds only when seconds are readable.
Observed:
12:31
